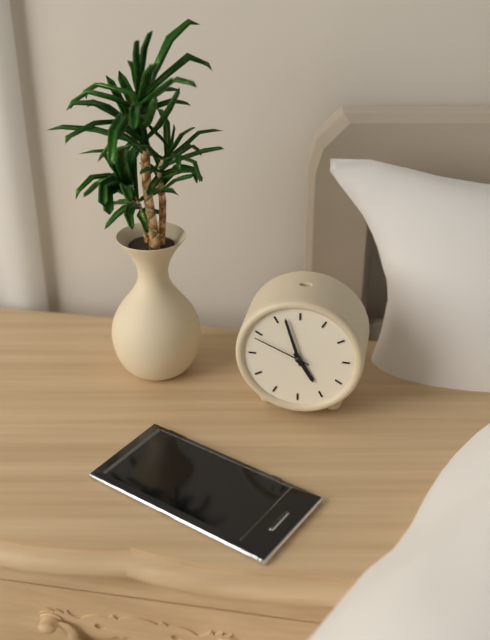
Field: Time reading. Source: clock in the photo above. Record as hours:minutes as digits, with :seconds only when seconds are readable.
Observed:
4:57:49
